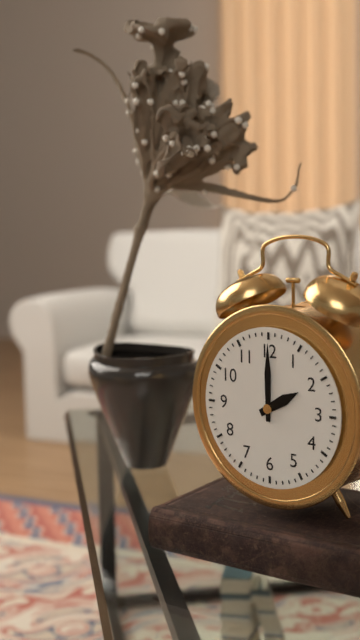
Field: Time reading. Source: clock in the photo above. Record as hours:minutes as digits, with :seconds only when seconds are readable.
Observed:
2:00
